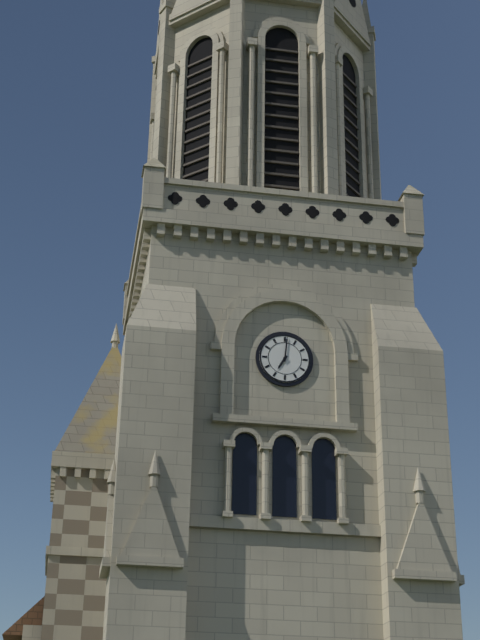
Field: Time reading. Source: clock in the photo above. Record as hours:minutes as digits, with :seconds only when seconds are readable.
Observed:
7:01
